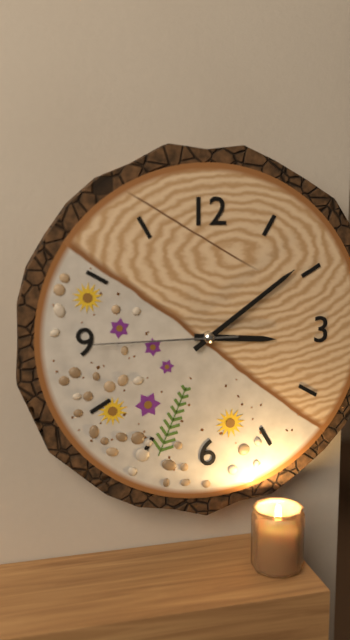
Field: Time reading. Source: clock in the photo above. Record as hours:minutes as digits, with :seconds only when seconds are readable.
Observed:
3:09:45
